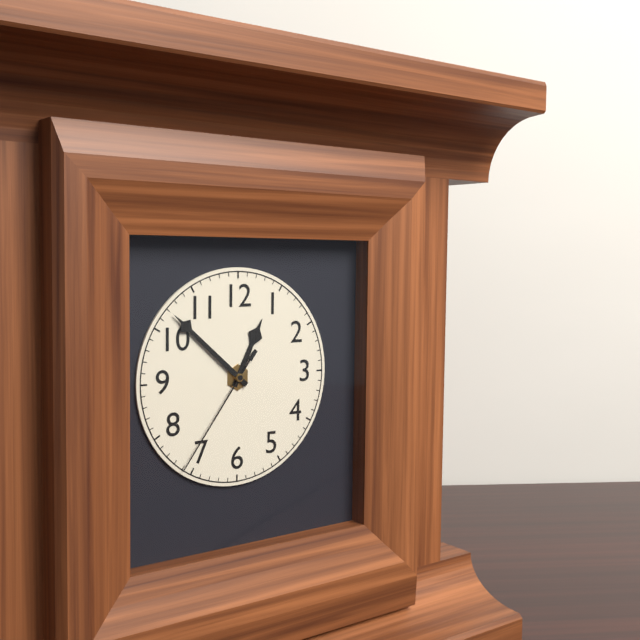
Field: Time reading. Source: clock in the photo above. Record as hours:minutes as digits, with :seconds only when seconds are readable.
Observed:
12:52:36
